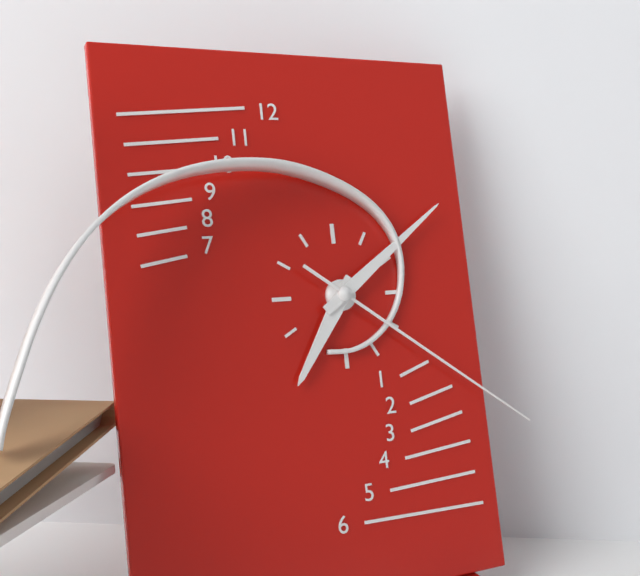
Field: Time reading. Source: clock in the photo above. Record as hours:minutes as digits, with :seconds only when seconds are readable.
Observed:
7:09:21
